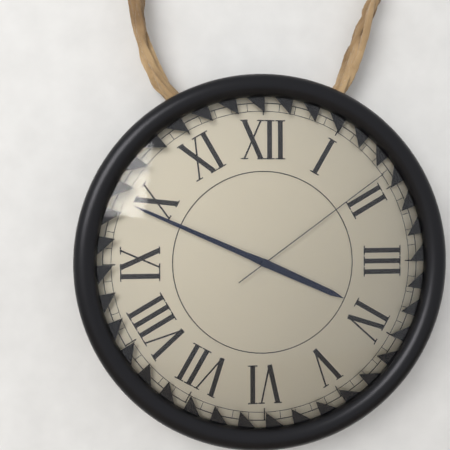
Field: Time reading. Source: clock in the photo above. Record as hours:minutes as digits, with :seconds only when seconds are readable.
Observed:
3:49:09
